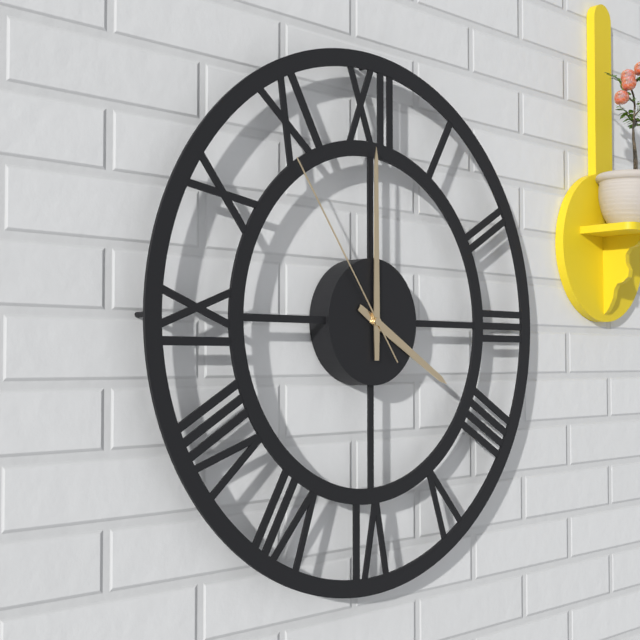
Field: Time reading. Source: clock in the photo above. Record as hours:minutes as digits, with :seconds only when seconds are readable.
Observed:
4:00:54
